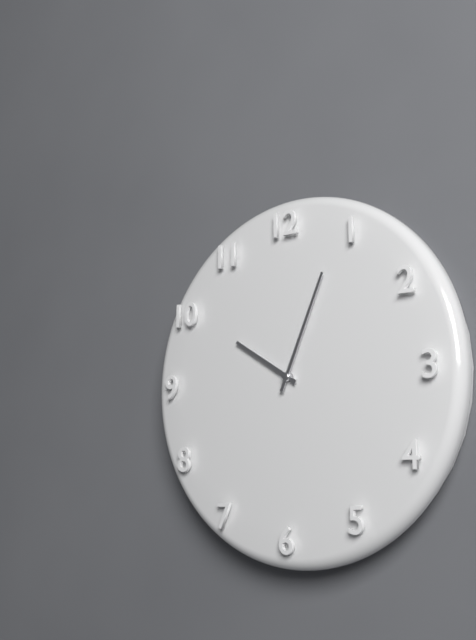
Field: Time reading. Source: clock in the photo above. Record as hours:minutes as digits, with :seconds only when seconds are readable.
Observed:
10:04
